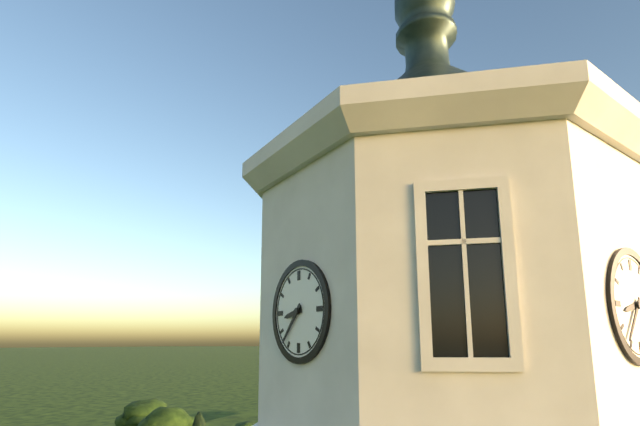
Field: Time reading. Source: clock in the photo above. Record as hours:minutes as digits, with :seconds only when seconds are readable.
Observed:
8:37
